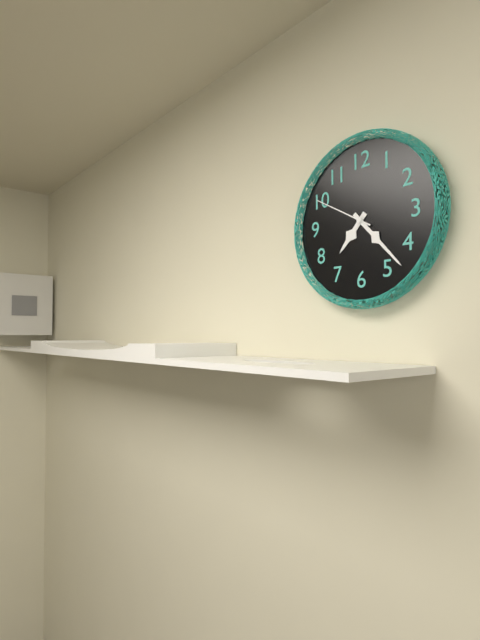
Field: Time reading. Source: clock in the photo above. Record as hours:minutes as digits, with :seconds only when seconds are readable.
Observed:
7:23:50
